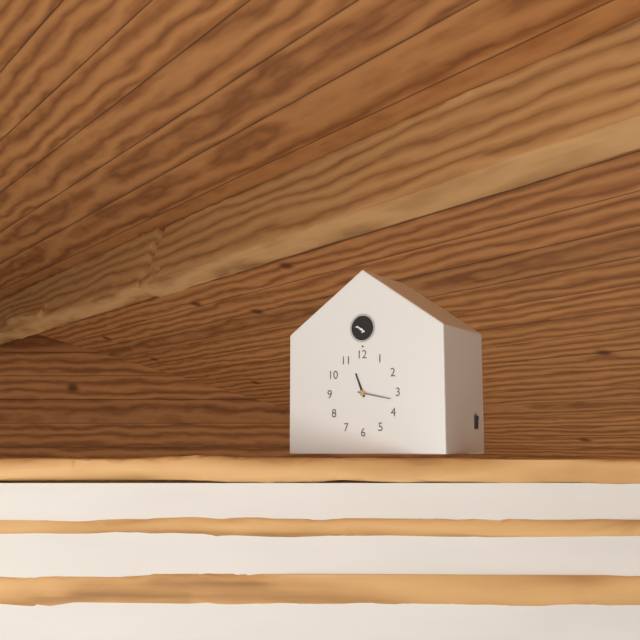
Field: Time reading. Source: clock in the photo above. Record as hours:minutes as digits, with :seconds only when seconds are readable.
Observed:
11:17
